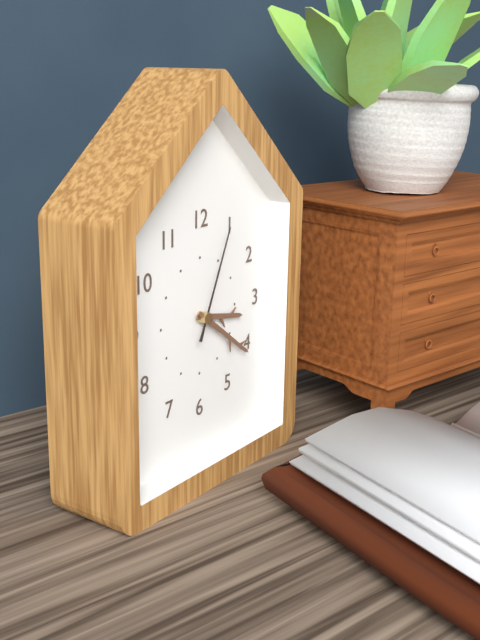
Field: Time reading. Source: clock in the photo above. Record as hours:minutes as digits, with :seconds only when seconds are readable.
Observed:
3:21:04
